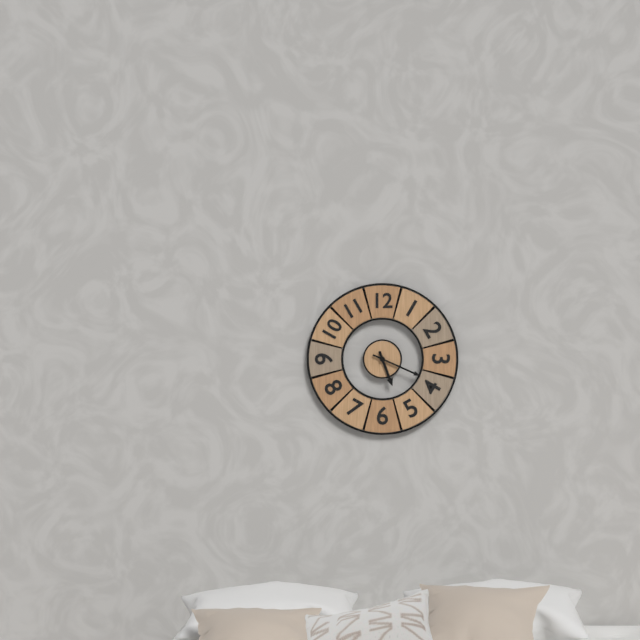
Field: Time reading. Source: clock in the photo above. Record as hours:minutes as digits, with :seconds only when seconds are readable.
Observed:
5:19
